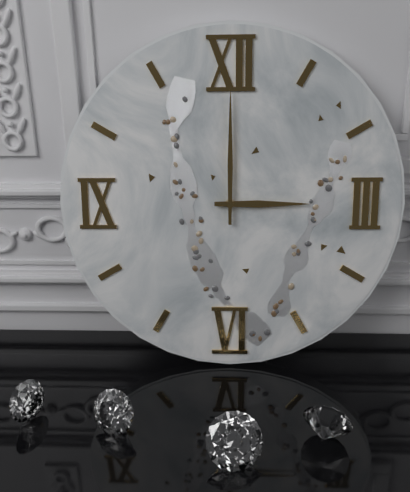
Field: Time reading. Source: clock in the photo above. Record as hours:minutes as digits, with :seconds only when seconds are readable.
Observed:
3:00
